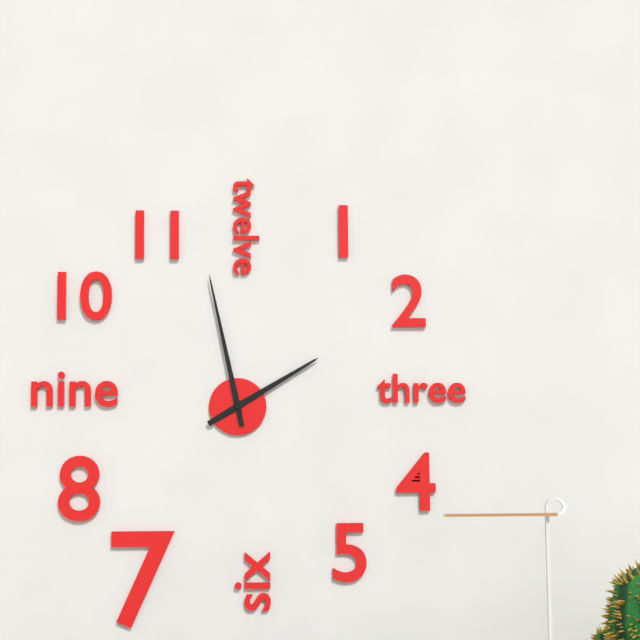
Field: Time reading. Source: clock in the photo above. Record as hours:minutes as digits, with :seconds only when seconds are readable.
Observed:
1:58
